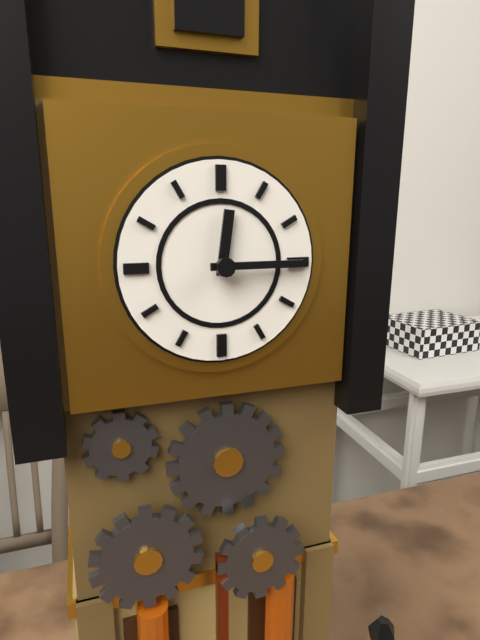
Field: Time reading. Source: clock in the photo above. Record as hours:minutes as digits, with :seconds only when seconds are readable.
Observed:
12:15
